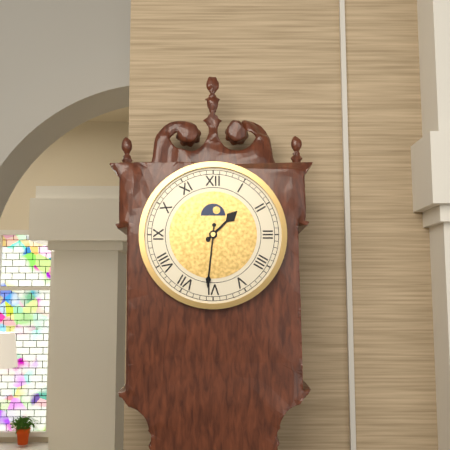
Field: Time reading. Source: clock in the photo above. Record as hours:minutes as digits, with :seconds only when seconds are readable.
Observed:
1:31
